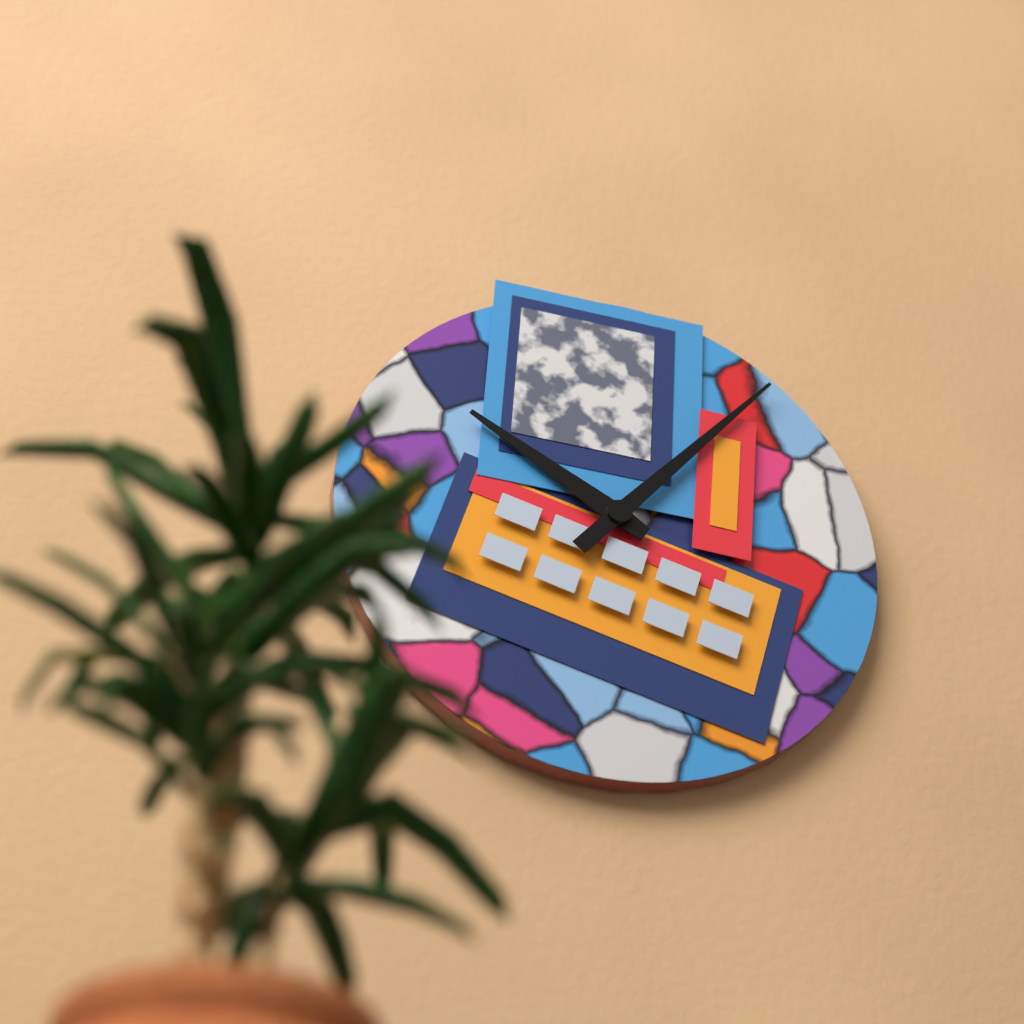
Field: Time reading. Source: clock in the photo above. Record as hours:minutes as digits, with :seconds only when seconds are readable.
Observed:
10:07
